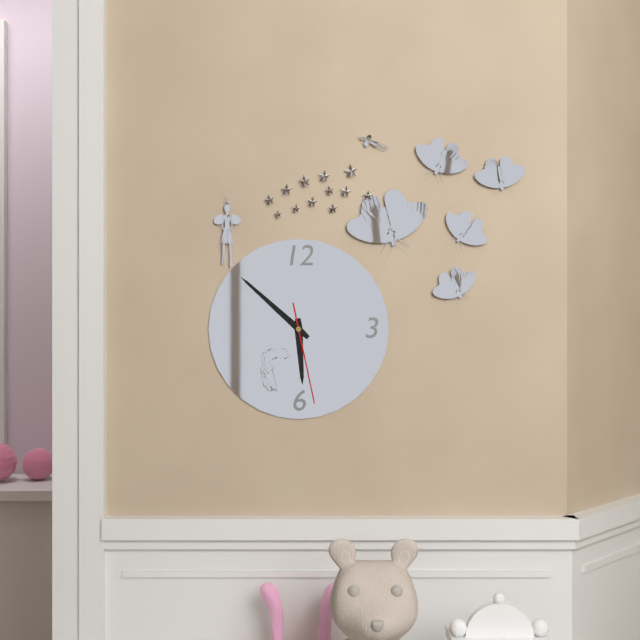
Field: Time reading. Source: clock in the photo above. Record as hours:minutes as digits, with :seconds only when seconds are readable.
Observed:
5:52:28
